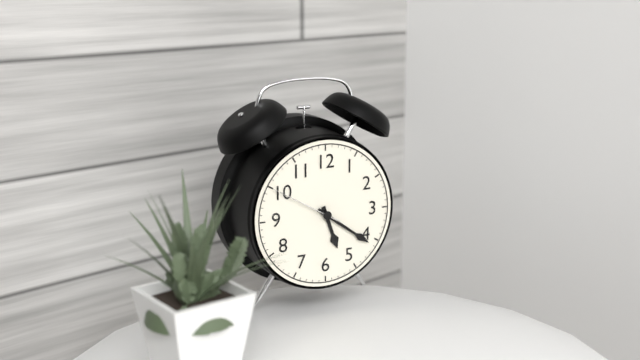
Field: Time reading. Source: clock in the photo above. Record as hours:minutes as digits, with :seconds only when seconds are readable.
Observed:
5:21:50
